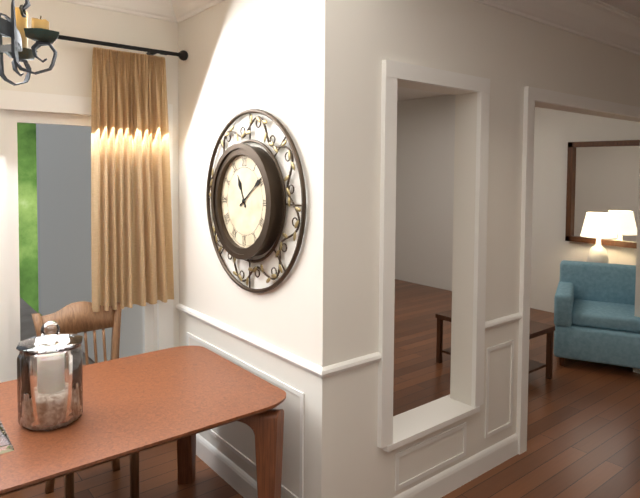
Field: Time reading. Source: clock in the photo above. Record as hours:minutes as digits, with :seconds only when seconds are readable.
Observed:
11:09
